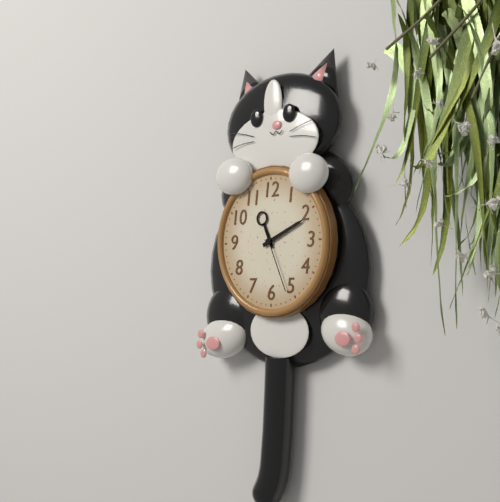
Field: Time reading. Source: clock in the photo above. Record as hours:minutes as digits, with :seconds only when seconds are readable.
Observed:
11:11:26
